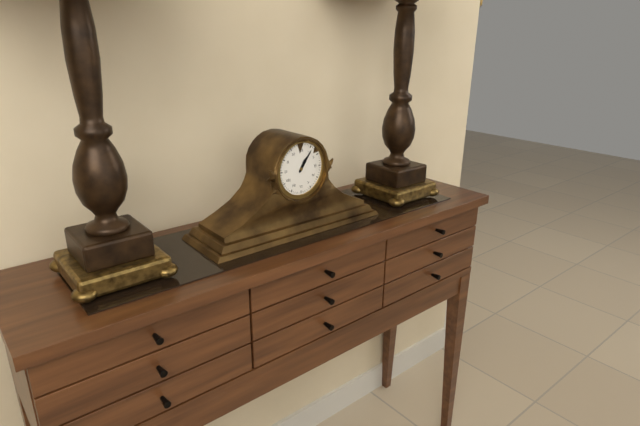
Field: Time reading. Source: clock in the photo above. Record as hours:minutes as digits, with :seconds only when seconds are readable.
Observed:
1:06
